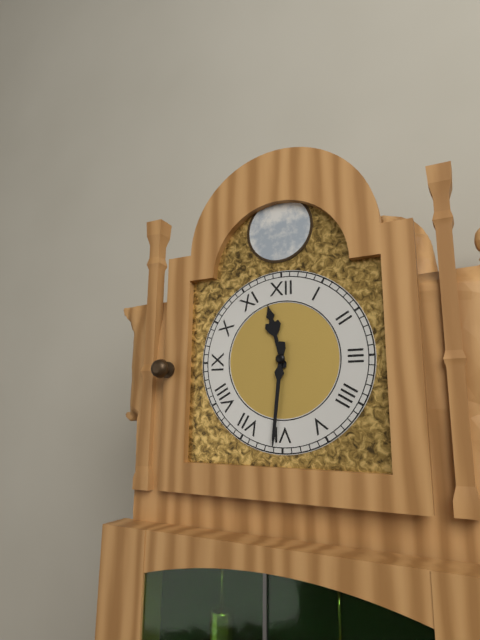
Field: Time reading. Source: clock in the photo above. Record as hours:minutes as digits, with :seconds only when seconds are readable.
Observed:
11:31
